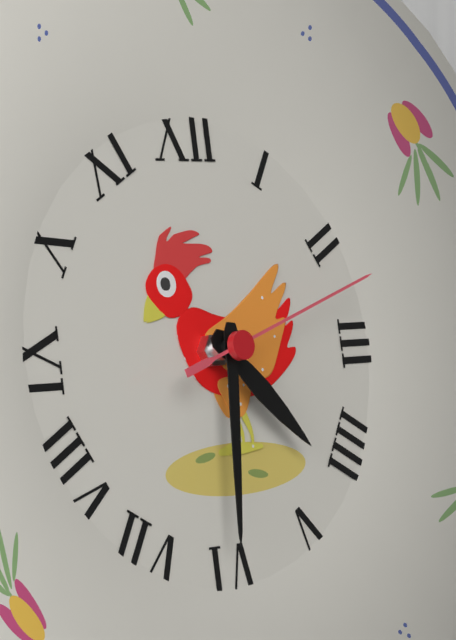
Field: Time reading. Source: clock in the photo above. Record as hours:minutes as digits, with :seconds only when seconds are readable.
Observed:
4:31:12
